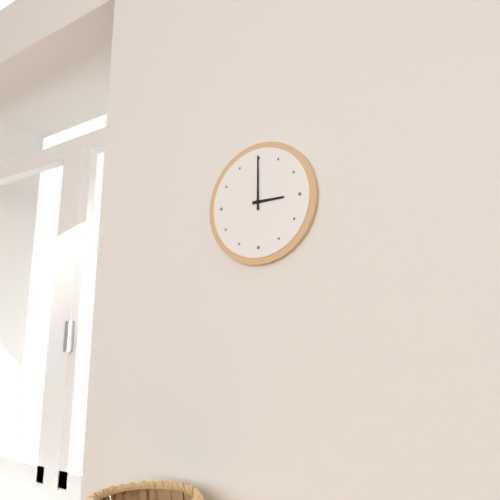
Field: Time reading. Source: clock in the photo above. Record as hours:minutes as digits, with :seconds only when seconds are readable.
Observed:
3:00
